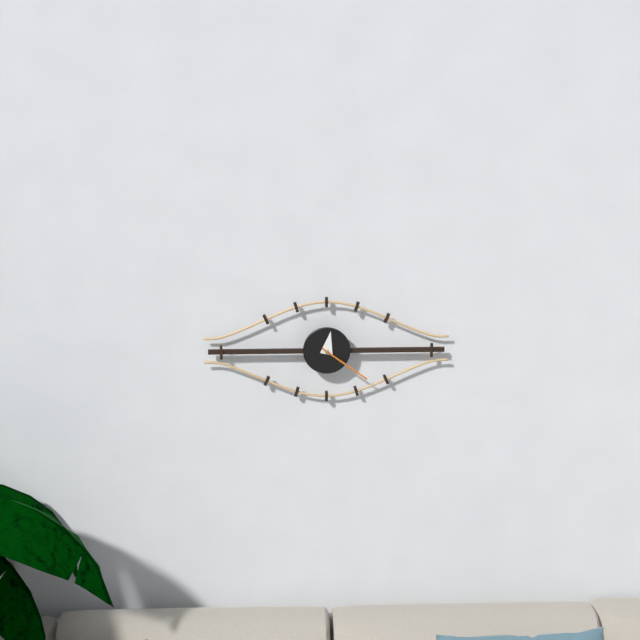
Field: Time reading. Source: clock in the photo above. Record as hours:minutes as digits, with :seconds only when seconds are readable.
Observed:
12:21
